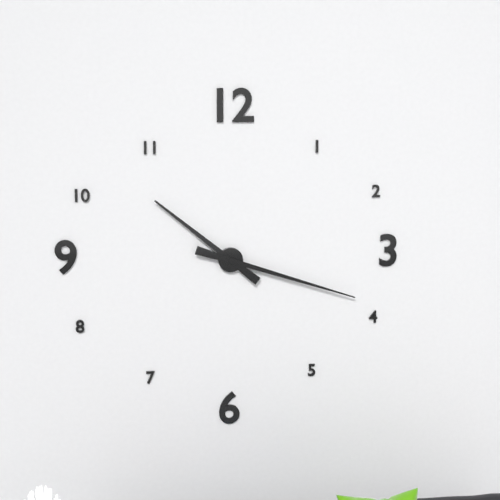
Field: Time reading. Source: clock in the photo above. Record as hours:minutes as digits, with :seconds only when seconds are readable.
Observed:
10:18
